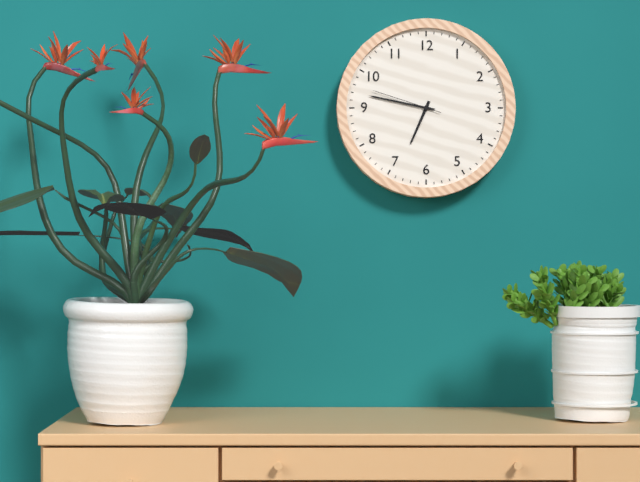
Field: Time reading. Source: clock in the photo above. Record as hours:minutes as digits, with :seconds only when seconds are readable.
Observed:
6:47:48
